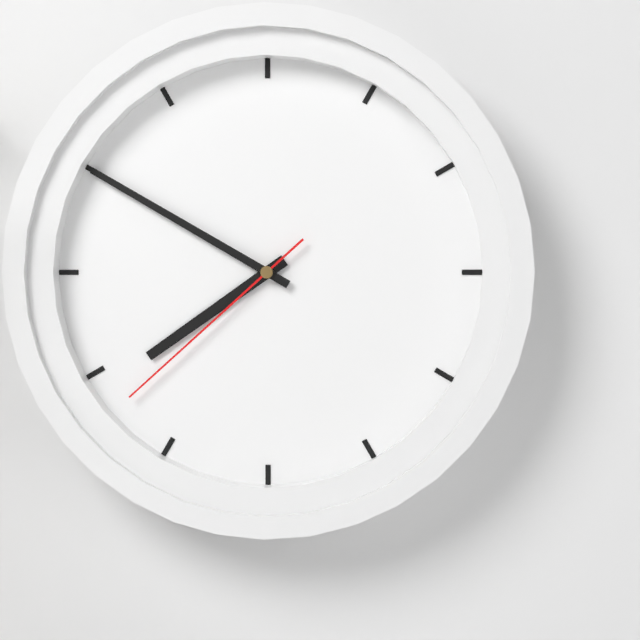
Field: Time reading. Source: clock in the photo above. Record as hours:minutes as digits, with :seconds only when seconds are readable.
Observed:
7:50:38
